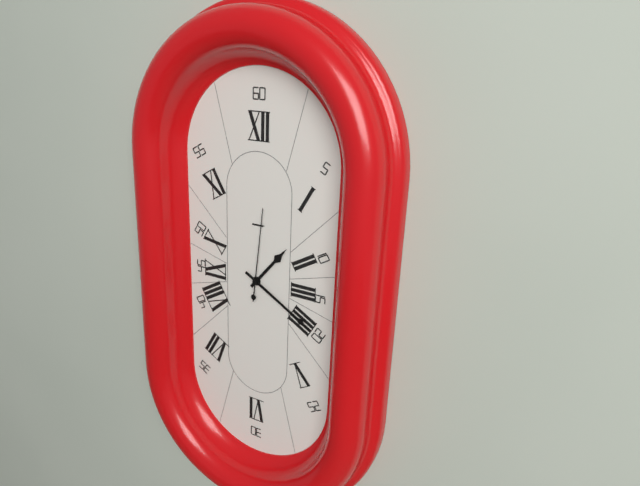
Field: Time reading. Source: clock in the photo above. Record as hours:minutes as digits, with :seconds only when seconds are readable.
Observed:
1:20:01
